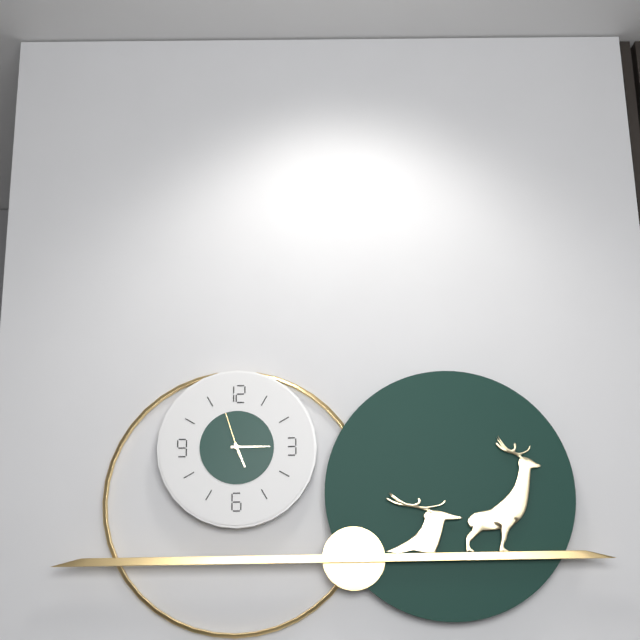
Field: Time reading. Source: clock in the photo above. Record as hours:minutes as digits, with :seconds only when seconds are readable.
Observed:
5:15
